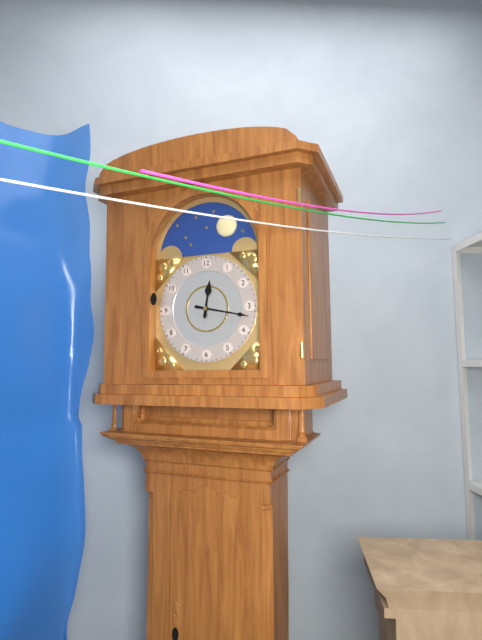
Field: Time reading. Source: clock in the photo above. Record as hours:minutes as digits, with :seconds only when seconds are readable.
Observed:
12:17
